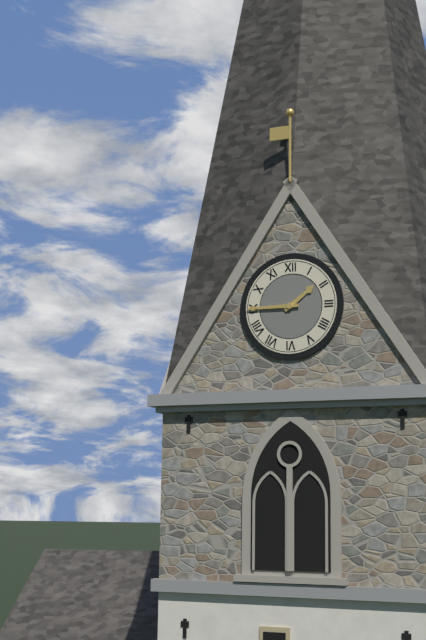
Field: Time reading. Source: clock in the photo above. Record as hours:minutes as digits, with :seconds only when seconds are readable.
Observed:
1:45
